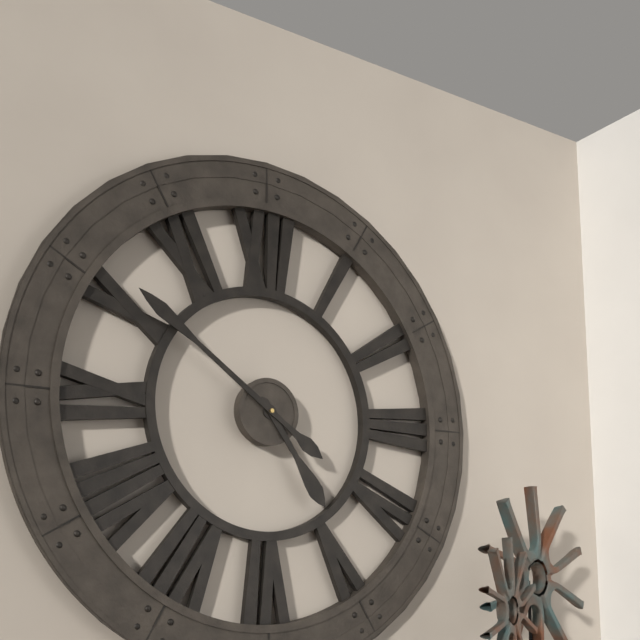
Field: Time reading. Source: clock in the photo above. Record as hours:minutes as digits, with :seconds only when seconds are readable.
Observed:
4:51
